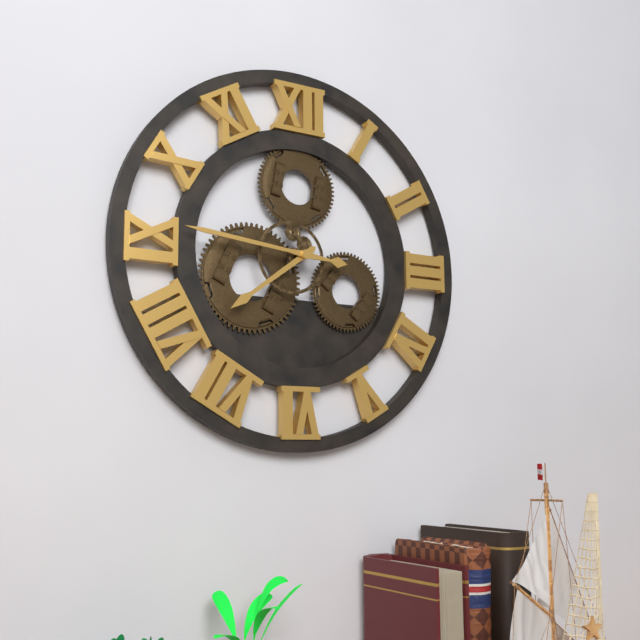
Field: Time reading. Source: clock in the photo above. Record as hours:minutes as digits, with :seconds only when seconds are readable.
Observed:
7:46
